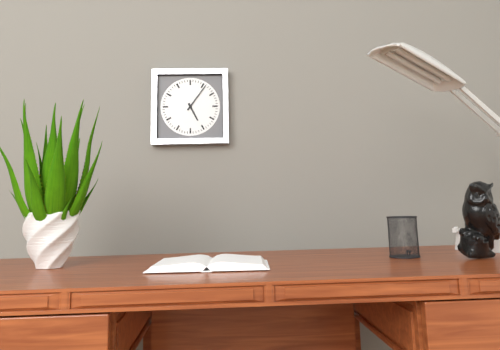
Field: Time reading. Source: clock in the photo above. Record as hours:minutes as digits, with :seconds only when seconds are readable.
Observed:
5:06
